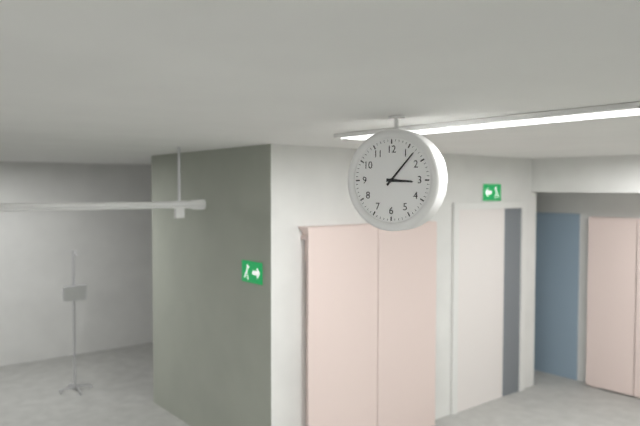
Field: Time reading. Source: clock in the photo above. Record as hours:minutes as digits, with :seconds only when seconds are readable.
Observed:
3:07
